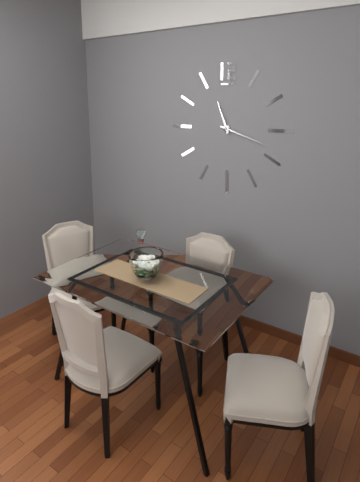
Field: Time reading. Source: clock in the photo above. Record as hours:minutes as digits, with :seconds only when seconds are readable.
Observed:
11:18
